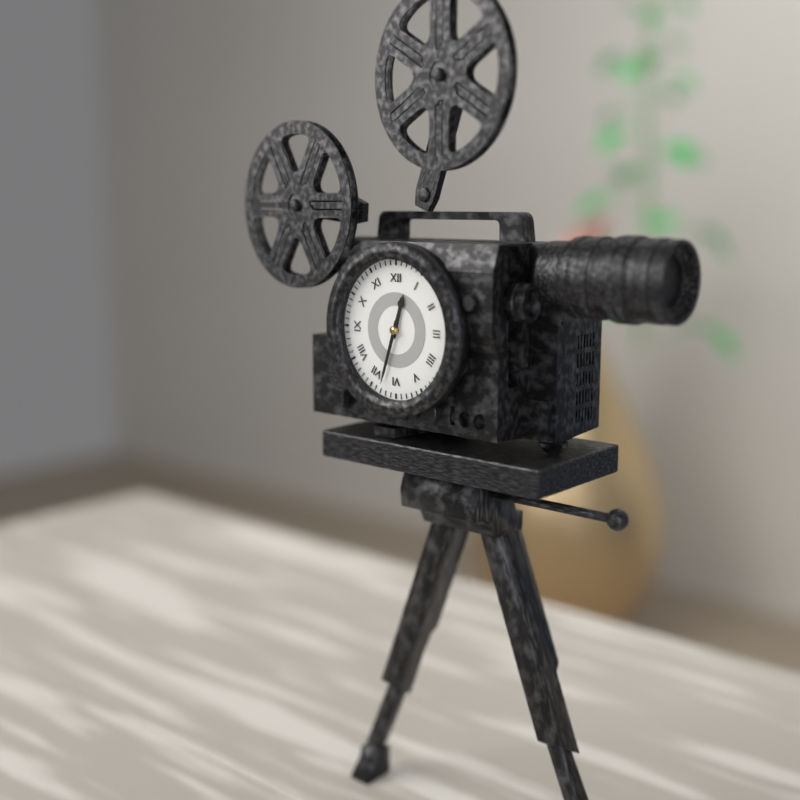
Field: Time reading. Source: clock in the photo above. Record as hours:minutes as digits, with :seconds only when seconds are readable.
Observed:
12:33
